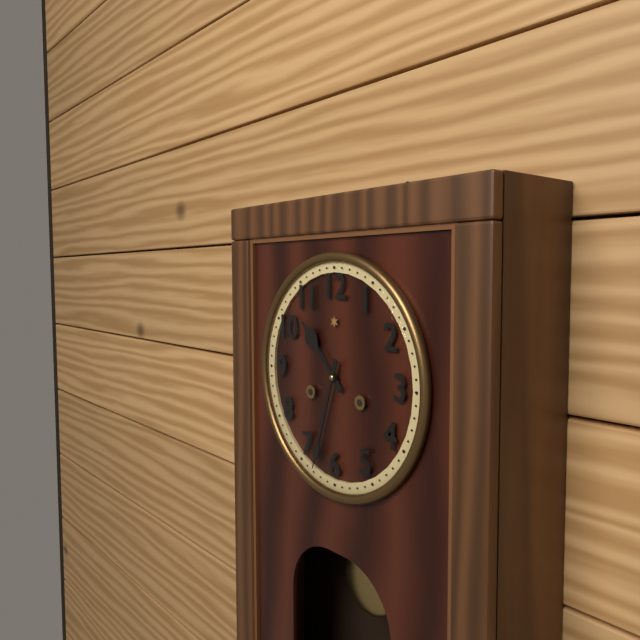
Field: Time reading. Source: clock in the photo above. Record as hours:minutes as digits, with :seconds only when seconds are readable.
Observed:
10:33
